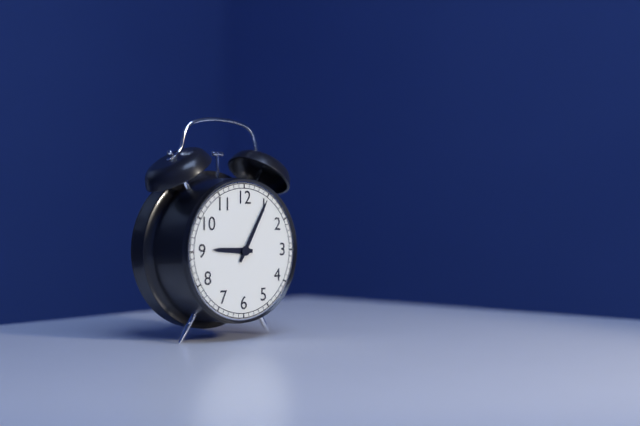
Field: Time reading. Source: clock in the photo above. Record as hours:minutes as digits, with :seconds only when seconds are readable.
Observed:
9:05
